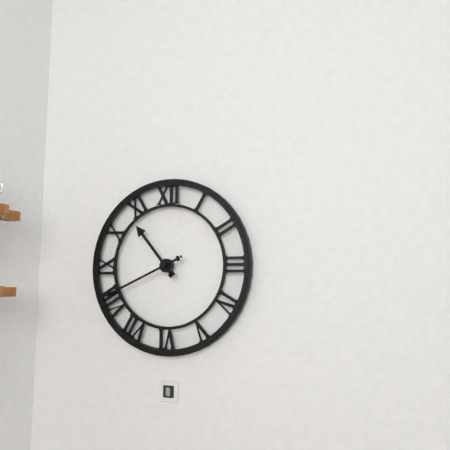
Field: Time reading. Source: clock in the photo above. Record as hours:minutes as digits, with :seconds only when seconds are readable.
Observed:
10:41:41
